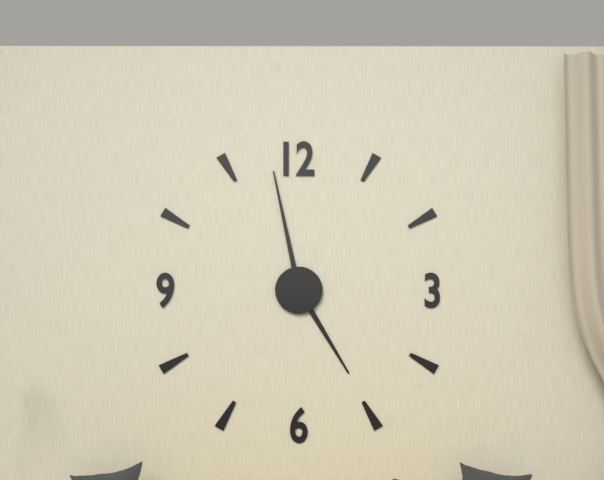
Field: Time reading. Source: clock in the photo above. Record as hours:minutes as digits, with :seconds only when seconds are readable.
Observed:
4:58
